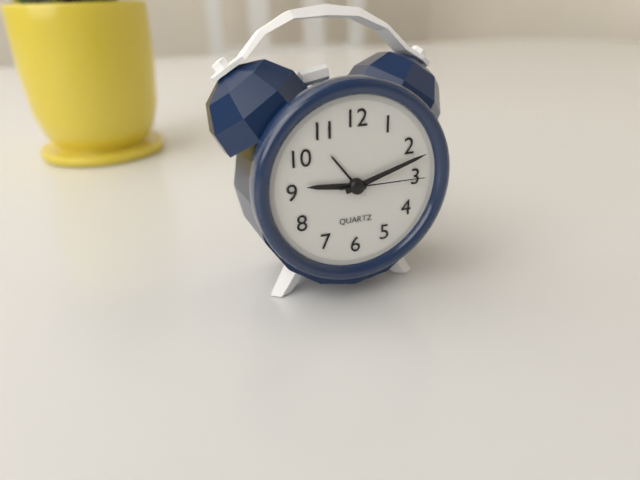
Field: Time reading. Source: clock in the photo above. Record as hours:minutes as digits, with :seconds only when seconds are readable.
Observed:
9:12:15
